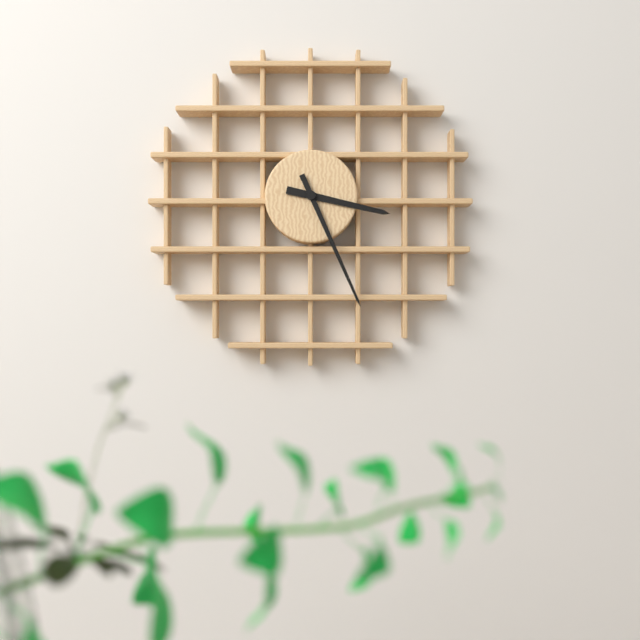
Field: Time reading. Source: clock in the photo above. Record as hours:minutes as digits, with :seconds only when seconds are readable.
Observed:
3:26
